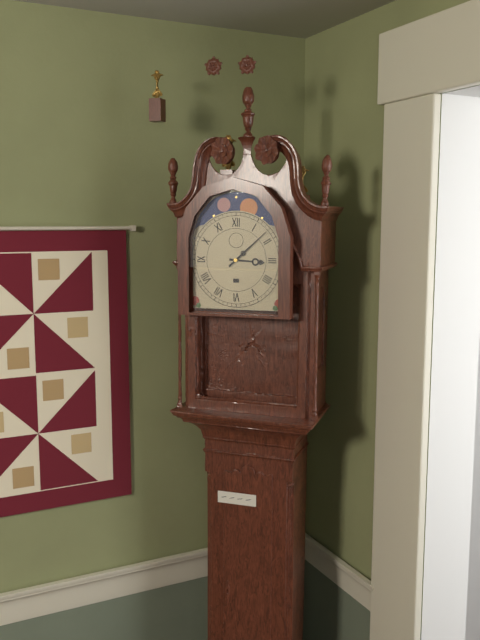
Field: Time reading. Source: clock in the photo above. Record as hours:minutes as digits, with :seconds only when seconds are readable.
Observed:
3:08
